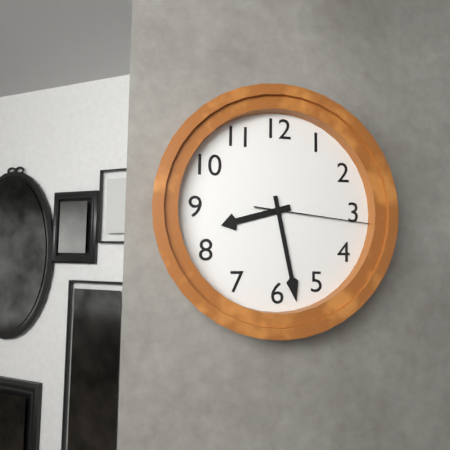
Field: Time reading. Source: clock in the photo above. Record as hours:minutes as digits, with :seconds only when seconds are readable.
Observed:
8:28:16
